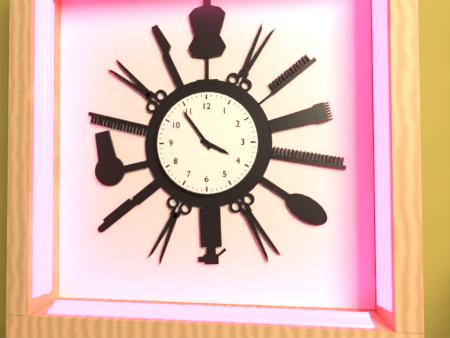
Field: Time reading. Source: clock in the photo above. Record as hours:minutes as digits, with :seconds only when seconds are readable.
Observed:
3:54
